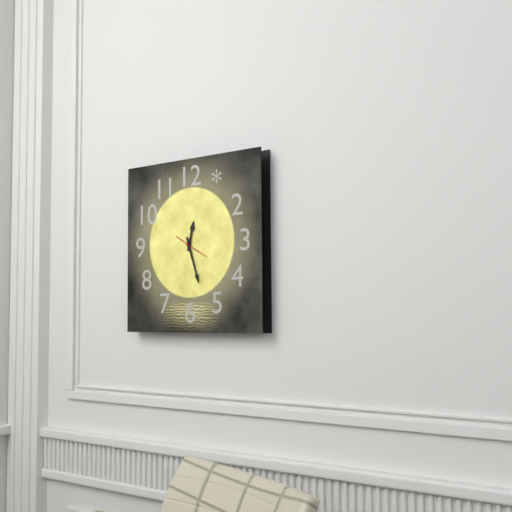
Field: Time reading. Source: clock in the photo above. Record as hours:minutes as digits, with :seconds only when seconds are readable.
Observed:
12:27
